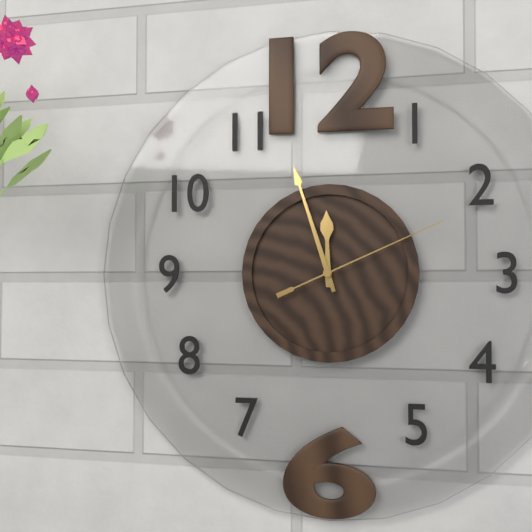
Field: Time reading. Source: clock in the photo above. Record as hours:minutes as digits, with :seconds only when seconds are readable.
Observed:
11:57:11
